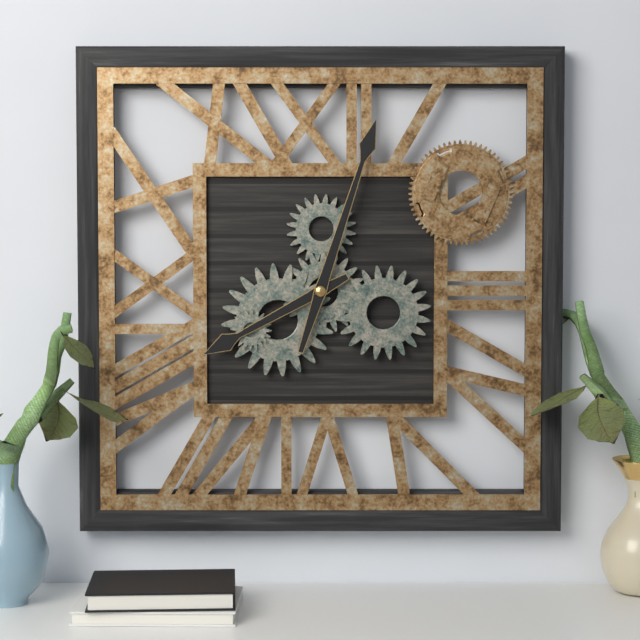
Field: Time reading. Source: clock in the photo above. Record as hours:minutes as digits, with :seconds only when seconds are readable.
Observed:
8:03
